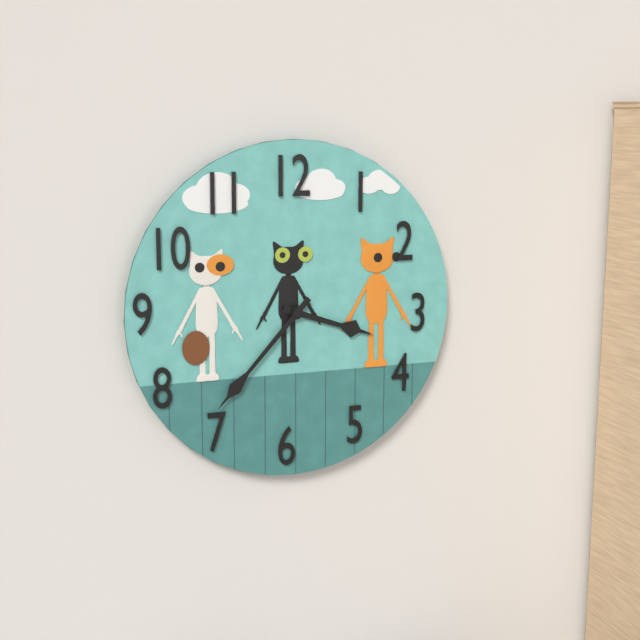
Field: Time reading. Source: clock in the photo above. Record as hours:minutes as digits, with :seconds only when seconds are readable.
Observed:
3:37
